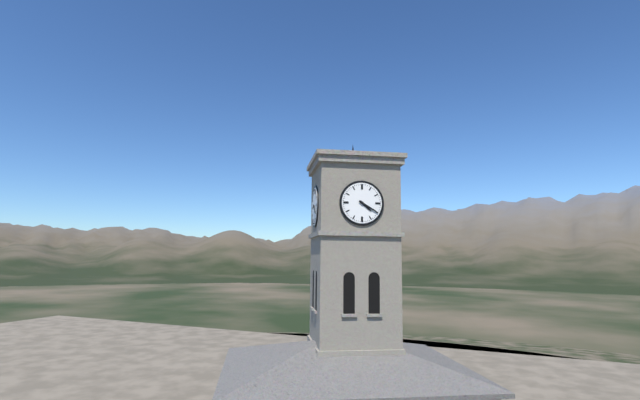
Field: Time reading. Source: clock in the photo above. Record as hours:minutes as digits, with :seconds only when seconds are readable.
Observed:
4:20
